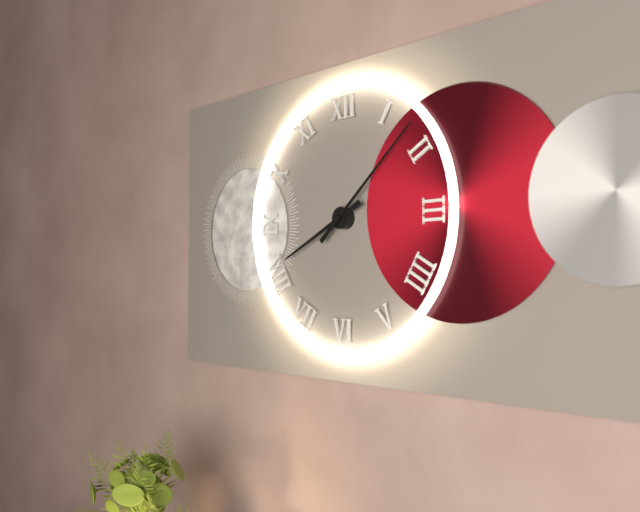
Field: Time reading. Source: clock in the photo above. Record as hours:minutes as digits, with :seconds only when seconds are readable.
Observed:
8:08
